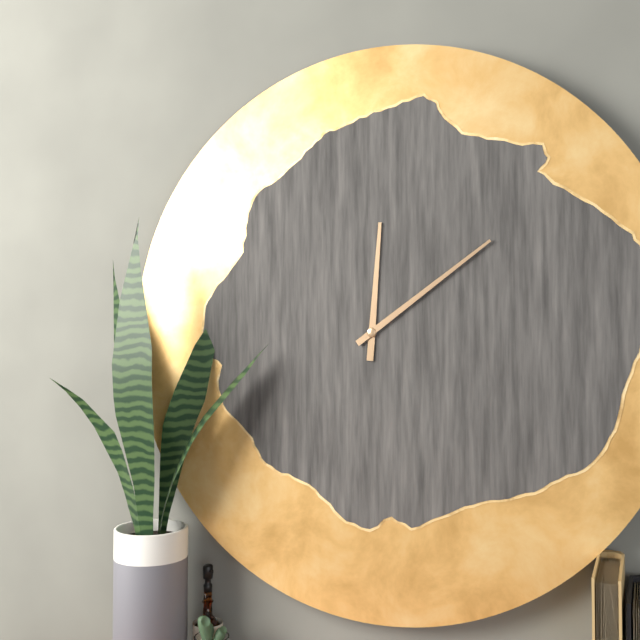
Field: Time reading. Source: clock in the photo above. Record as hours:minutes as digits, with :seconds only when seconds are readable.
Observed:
12:09
